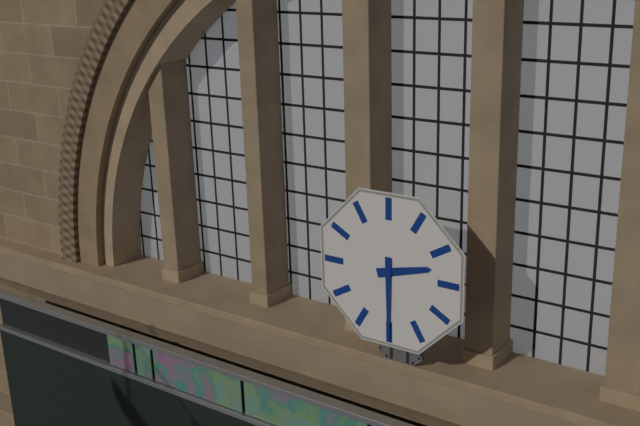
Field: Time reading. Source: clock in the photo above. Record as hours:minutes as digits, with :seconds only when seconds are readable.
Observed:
2:30
